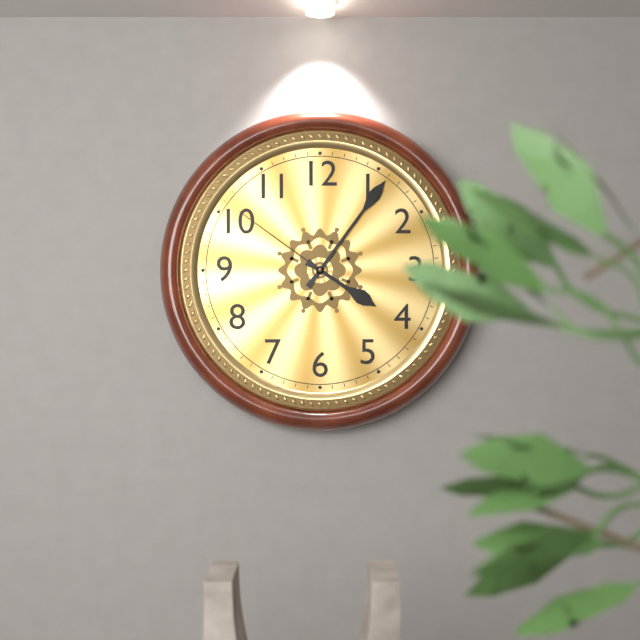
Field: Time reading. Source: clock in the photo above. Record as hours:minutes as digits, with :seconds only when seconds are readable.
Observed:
4:06:51
